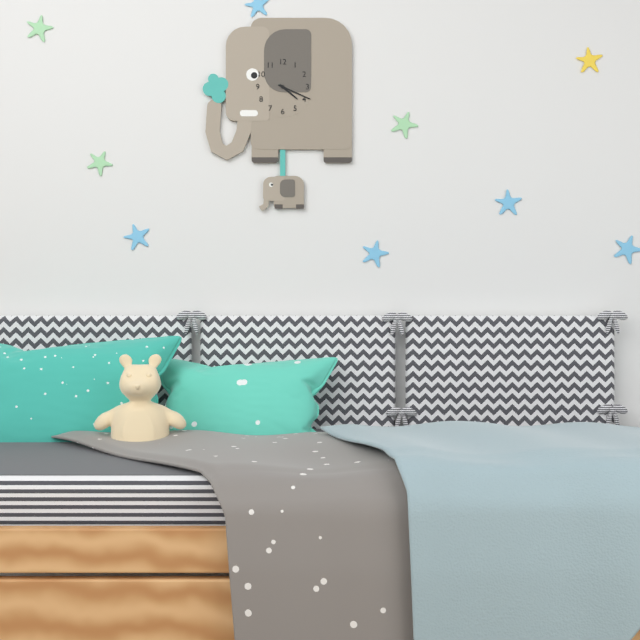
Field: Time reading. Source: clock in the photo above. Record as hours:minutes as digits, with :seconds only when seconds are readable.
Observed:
4:19
